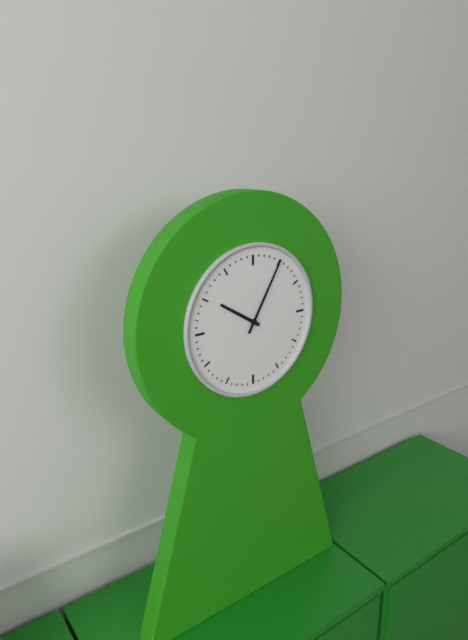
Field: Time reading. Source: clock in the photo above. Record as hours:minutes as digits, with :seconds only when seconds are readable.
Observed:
10:05
